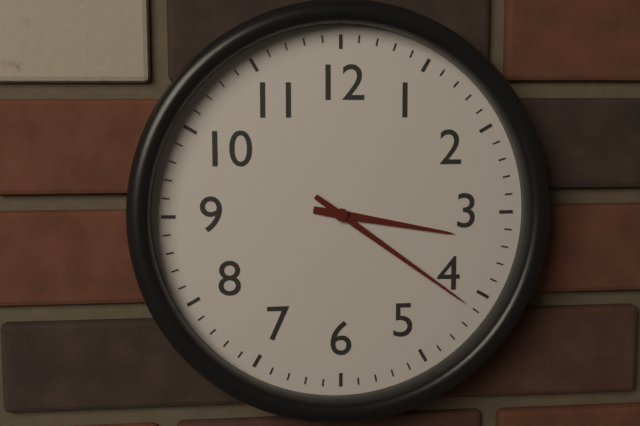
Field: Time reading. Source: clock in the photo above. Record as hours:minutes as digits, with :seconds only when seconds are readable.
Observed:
3:21
